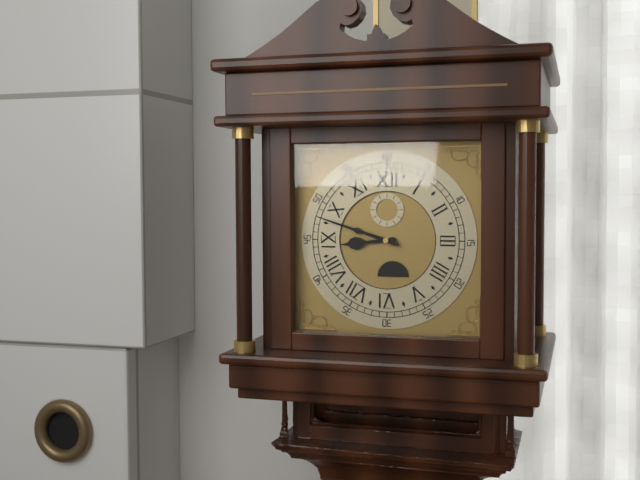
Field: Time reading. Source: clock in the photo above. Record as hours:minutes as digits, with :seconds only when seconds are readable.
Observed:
8:48
